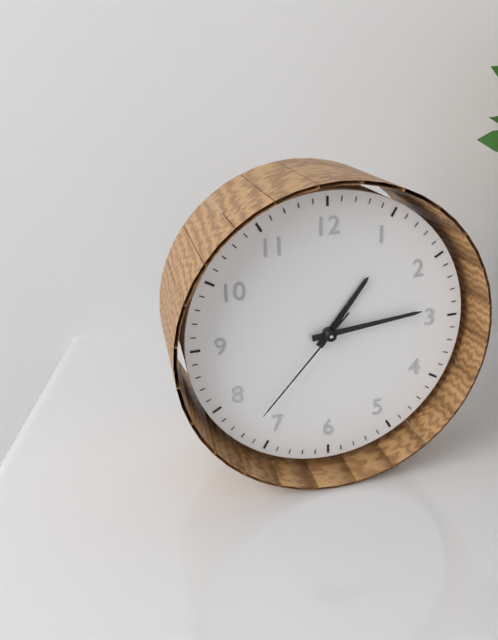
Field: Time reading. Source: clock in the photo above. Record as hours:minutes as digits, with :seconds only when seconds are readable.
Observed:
1:14:37
